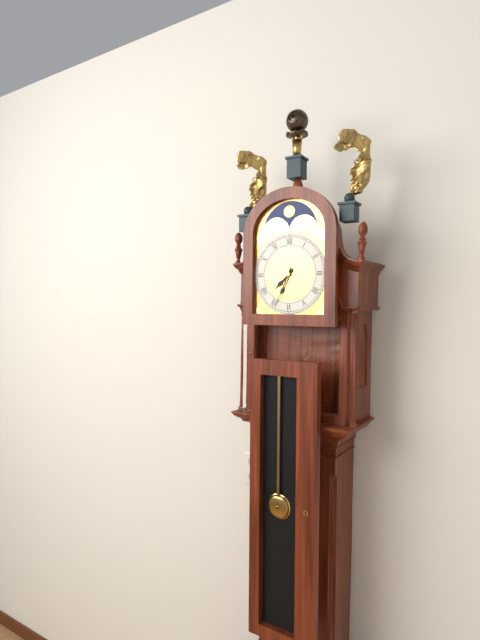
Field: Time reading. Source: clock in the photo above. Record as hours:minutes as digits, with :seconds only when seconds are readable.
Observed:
7:34
